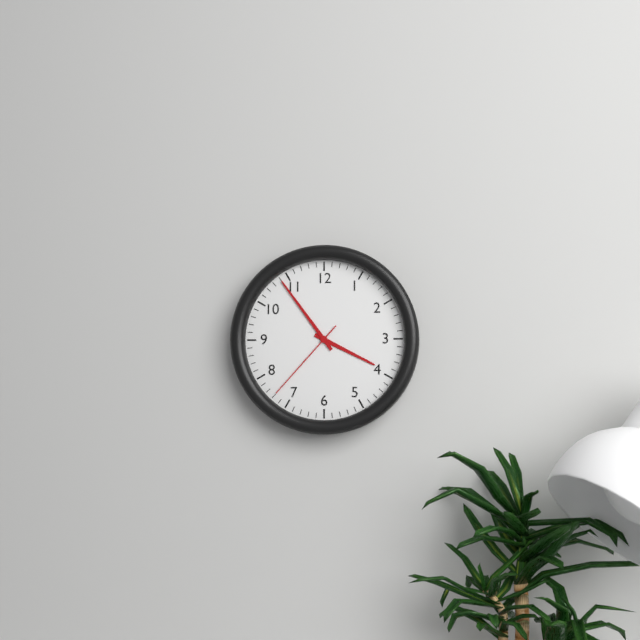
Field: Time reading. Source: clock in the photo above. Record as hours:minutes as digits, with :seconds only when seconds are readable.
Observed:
3:54:37
